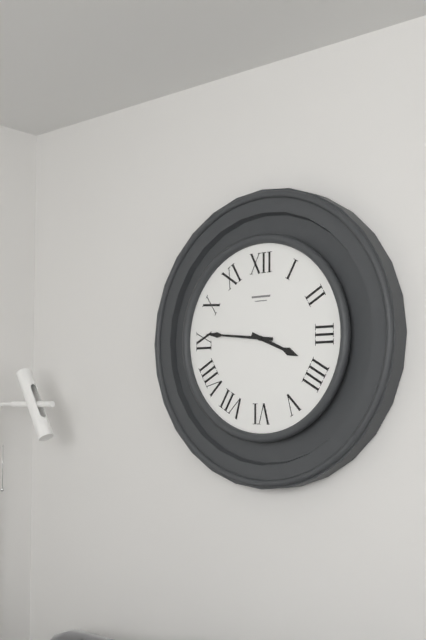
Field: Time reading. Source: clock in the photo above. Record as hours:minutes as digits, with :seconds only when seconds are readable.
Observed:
3:46
